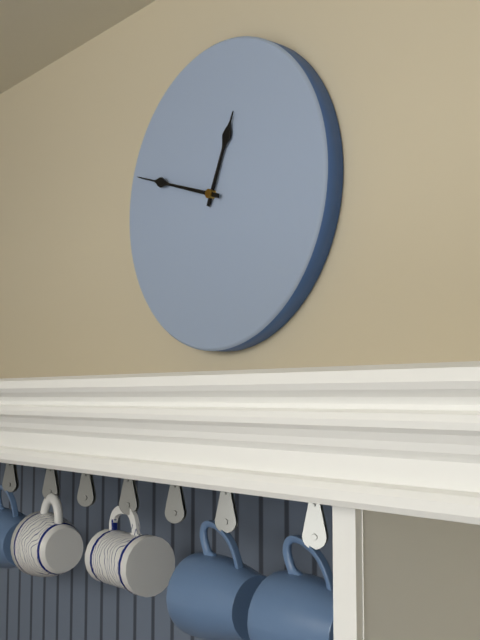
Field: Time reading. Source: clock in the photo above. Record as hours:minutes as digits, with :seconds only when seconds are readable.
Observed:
12:48
